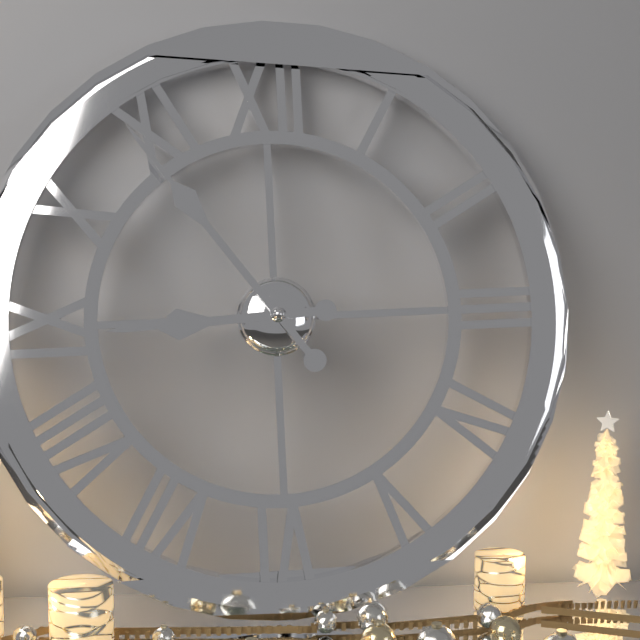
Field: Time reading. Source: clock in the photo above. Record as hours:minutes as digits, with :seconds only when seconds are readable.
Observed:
8:54
